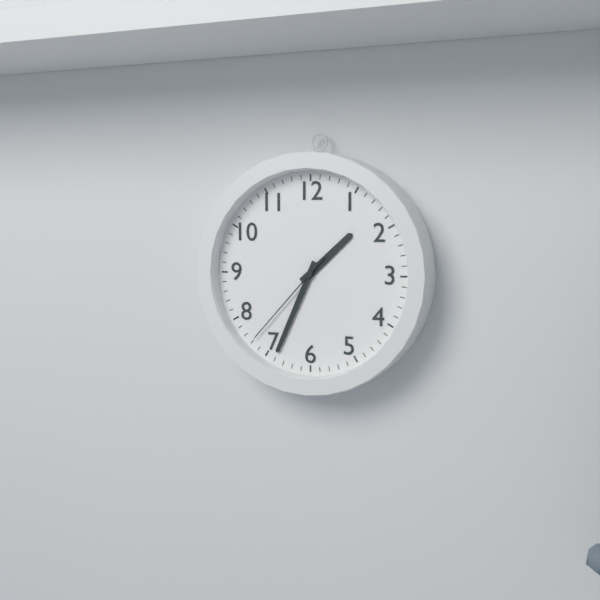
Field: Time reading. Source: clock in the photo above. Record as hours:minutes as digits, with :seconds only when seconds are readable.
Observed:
1:34:37
